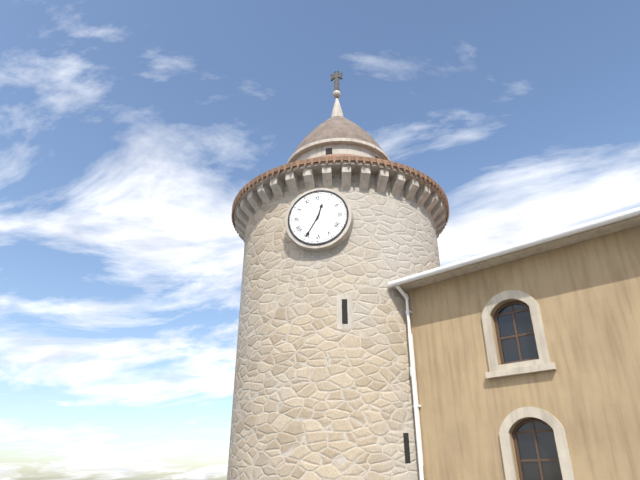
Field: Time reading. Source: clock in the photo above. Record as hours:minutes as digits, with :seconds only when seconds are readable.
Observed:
12:35
